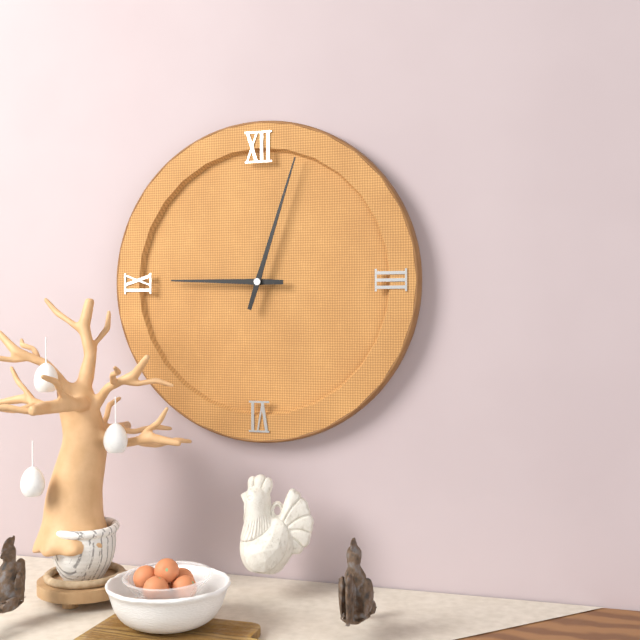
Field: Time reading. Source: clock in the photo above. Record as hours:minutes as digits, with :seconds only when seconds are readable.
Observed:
9:03
